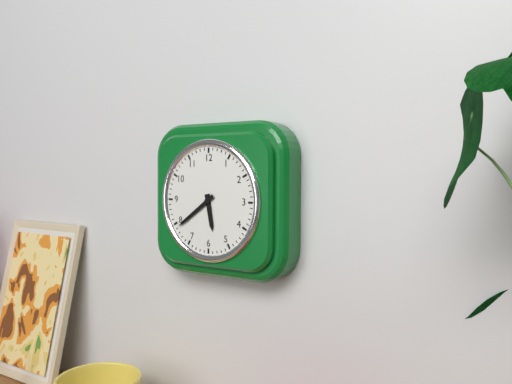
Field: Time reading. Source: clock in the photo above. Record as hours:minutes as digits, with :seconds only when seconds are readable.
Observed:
5:39
